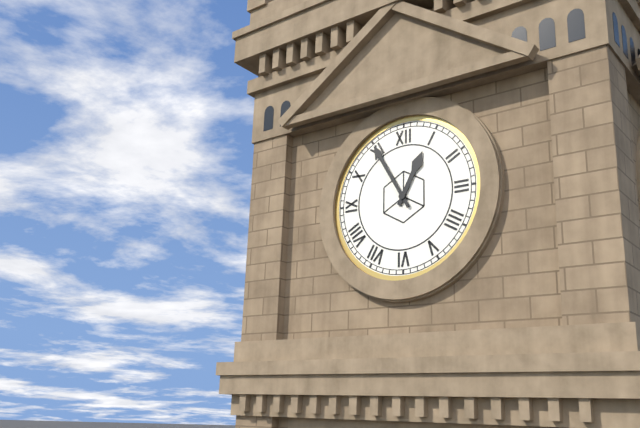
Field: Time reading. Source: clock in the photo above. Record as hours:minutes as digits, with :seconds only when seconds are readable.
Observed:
12:55
